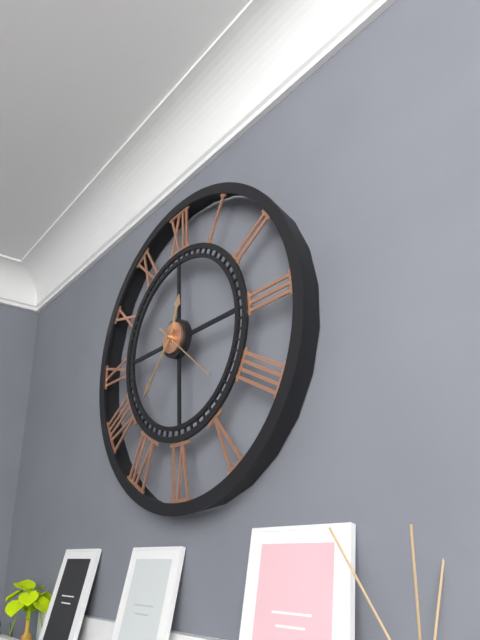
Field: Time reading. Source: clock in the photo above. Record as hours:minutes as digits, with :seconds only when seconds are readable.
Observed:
12:37:22
